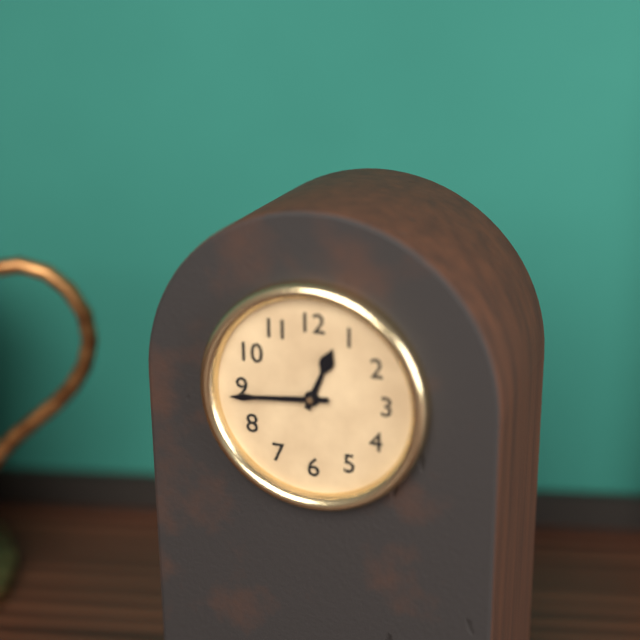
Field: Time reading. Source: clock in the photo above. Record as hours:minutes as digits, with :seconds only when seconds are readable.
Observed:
12:44
